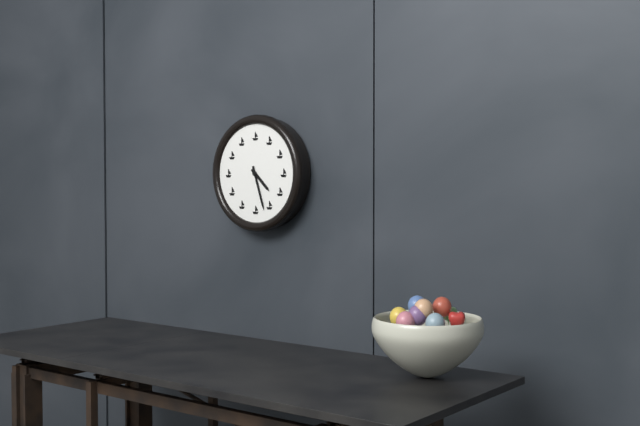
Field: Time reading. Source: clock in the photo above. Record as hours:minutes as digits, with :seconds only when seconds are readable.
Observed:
4:27
